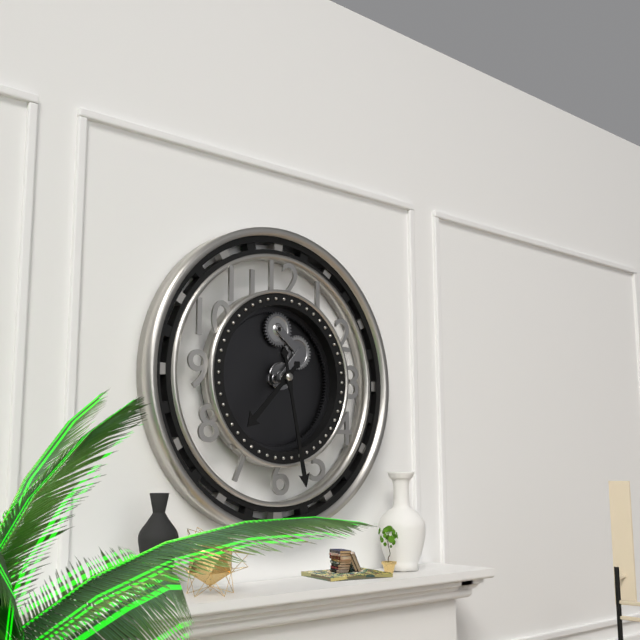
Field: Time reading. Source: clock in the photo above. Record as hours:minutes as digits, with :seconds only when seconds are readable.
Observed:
7:28
